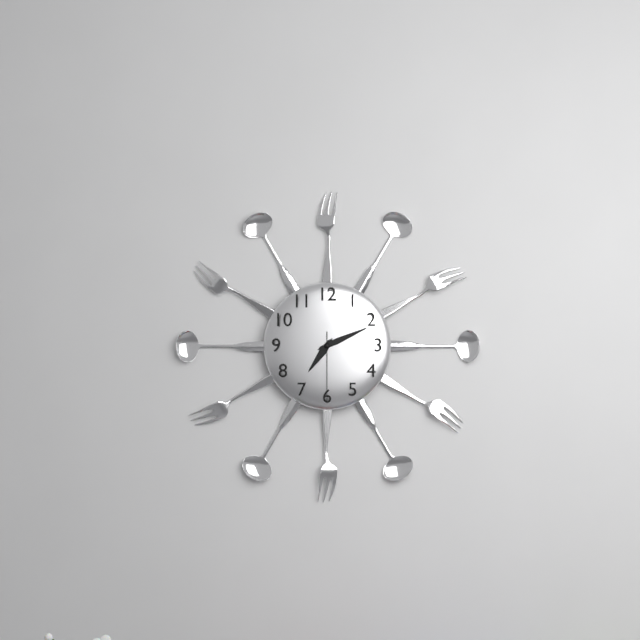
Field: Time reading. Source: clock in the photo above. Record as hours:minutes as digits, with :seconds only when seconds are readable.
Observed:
7:11:30
